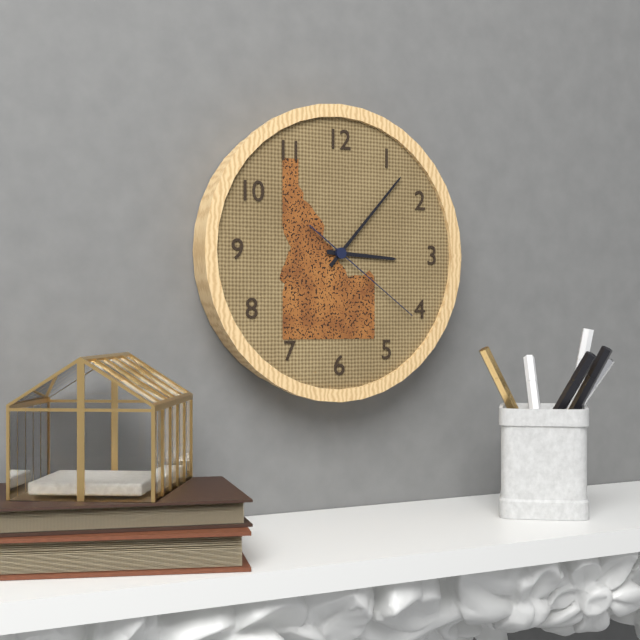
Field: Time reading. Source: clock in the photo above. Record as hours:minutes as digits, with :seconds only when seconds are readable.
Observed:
3:07:21
